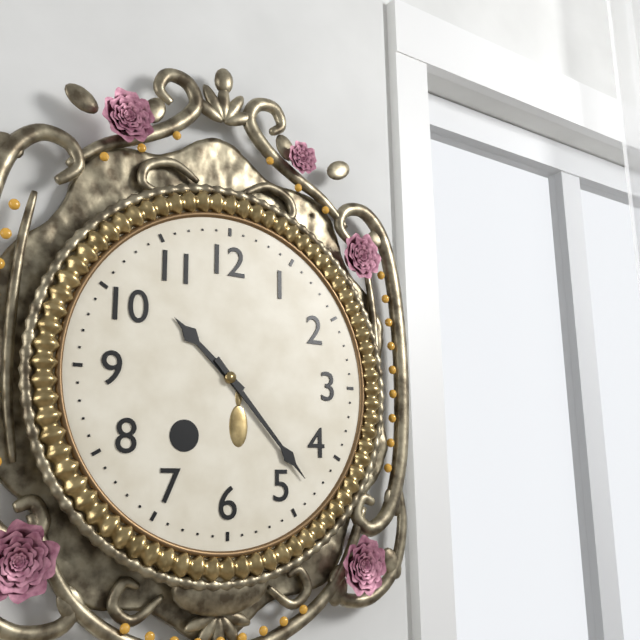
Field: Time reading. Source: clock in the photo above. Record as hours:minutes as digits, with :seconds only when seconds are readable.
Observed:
10:23
